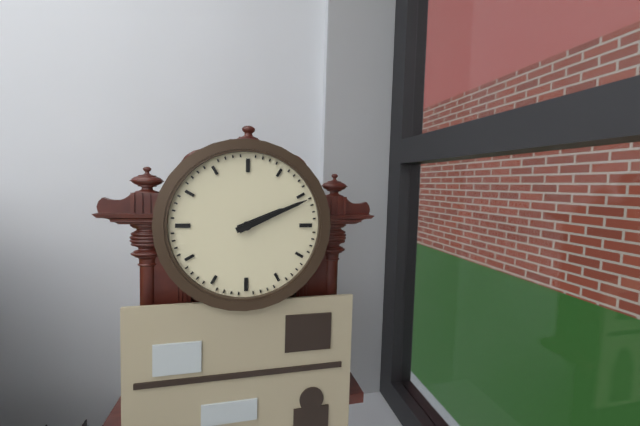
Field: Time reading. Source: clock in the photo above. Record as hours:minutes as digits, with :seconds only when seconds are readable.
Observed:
2:11
